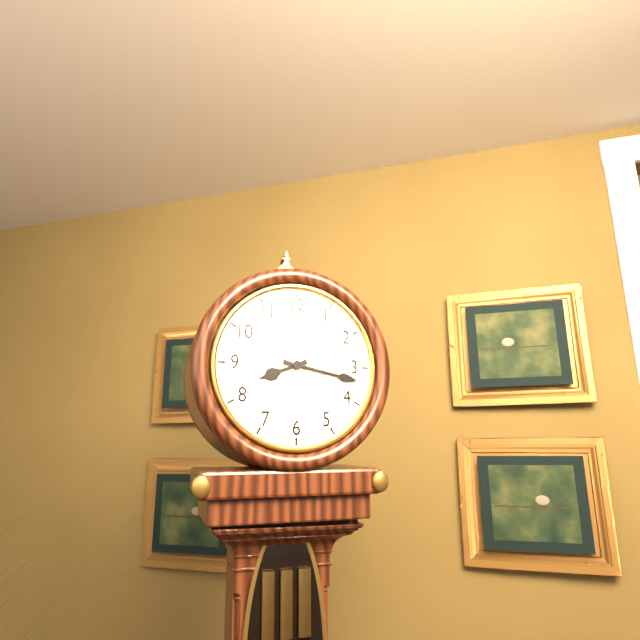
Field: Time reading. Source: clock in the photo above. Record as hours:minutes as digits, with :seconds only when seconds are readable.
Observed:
8:17
